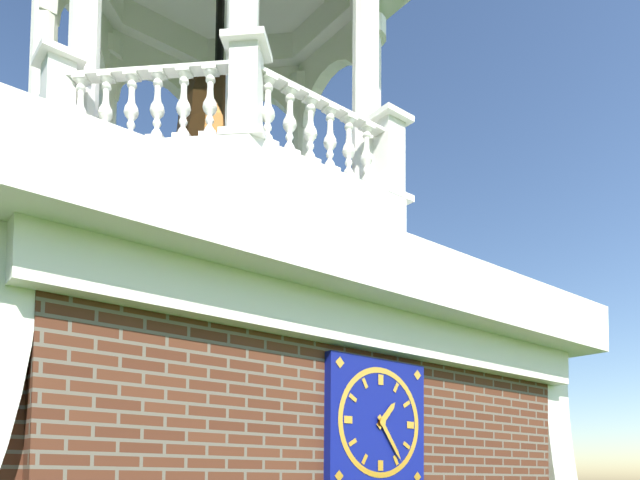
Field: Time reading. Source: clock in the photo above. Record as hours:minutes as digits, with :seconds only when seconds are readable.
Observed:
1:24
